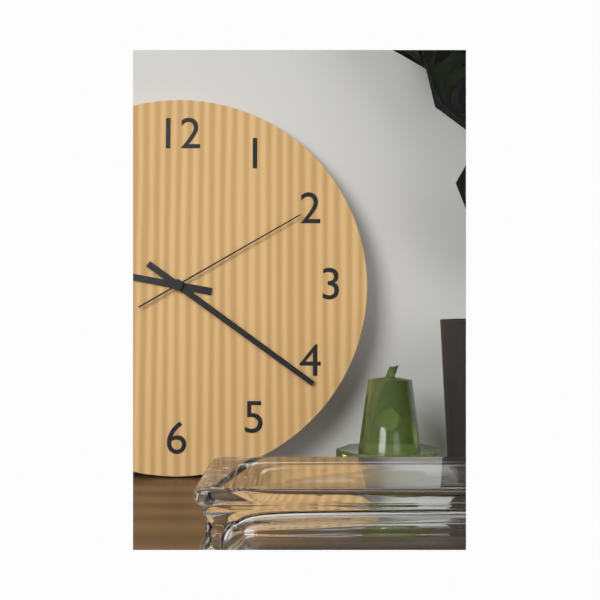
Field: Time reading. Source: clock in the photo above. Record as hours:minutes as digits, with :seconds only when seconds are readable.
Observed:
9:21:10
